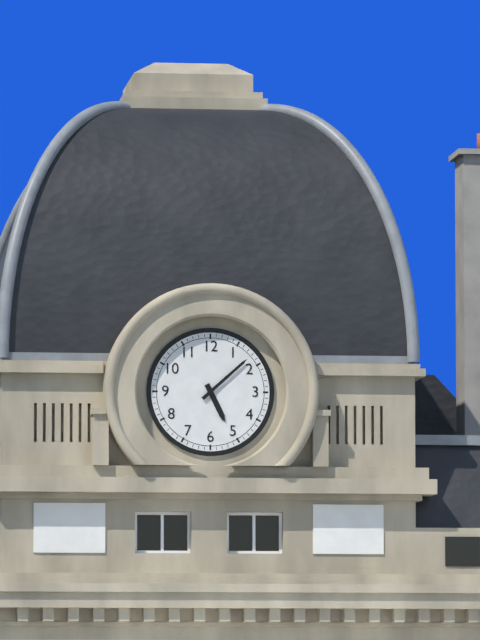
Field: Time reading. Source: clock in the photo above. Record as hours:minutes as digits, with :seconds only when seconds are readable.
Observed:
5:08
